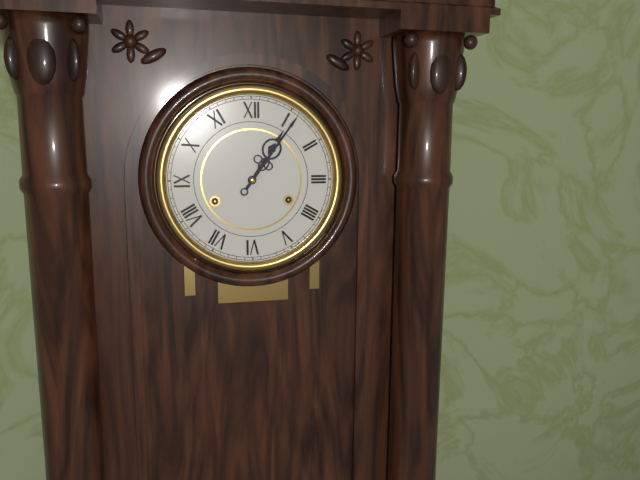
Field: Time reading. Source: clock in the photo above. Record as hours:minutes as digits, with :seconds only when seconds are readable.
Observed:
1:06
